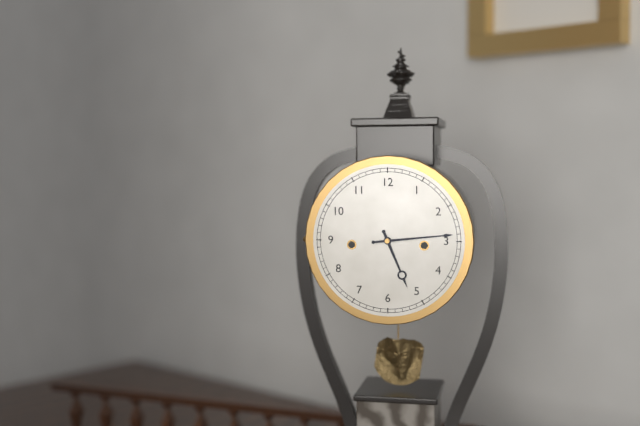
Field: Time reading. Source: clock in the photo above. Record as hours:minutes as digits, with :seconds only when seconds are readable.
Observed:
5:14
